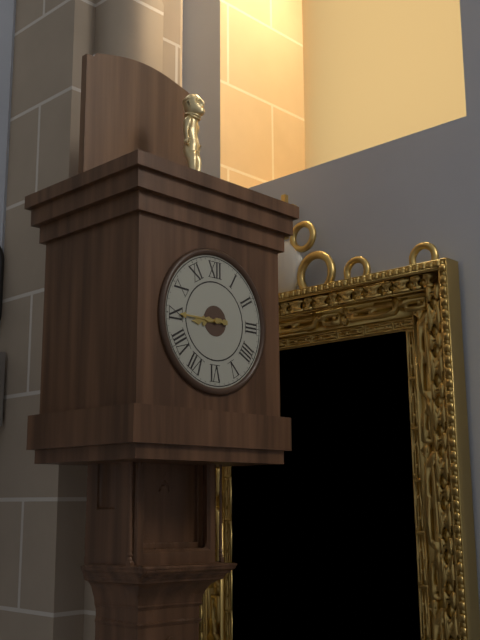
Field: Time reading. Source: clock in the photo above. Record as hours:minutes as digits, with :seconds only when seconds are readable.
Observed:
8:45
